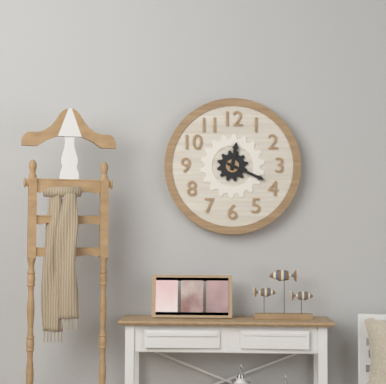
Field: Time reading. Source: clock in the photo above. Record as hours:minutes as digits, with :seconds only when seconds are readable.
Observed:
12:19
